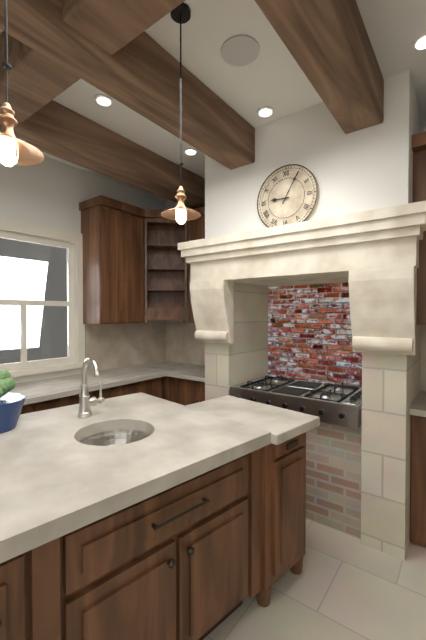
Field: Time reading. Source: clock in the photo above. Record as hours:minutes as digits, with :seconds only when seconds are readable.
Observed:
9:05
